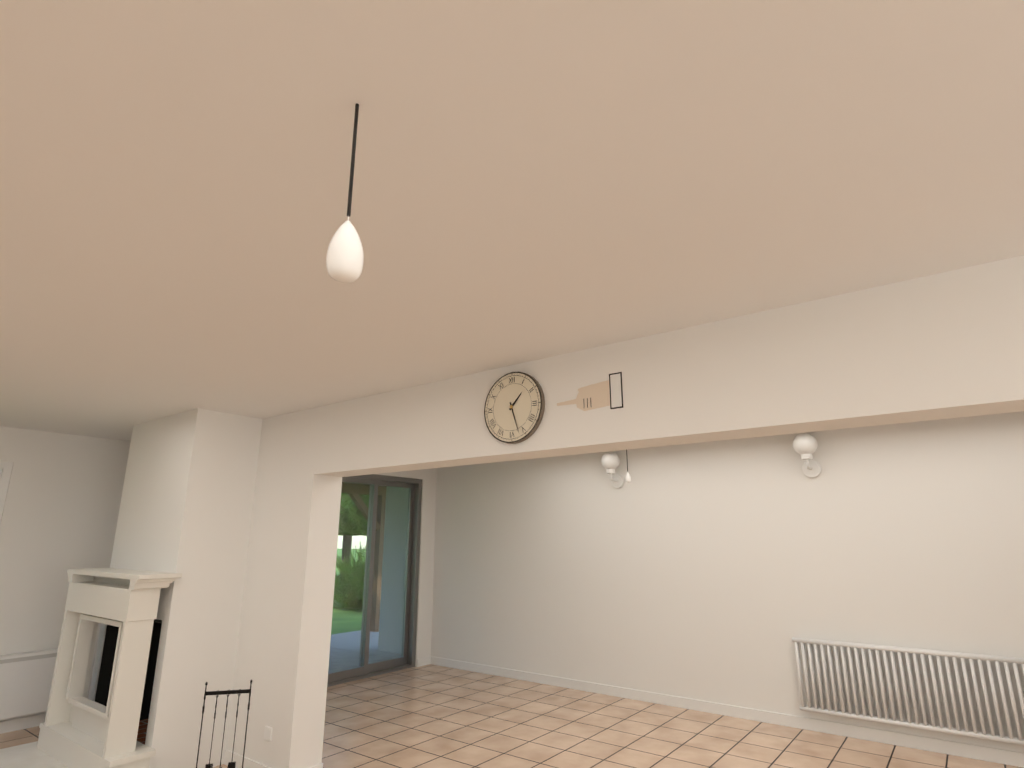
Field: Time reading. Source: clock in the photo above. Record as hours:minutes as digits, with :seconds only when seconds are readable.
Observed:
1:27
